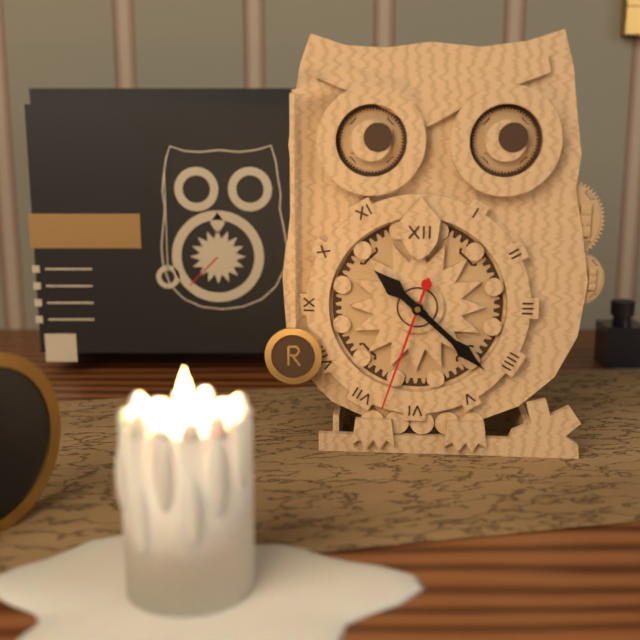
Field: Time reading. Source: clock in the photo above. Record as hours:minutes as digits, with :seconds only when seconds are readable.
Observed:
10:22:33
